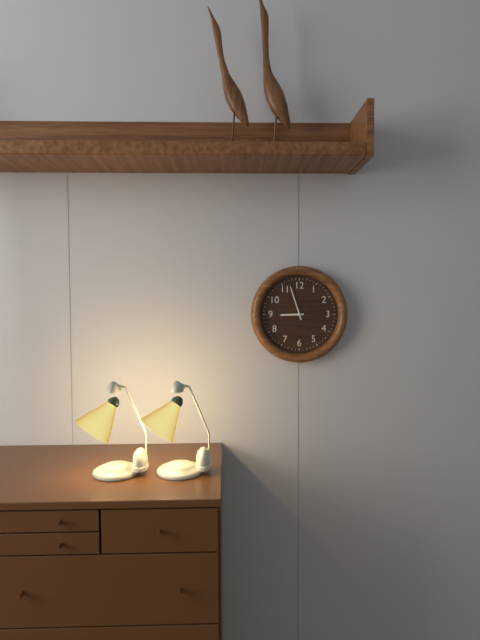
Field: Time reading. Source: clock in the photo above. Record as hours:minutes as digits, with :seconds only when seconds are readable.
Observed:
8:57
